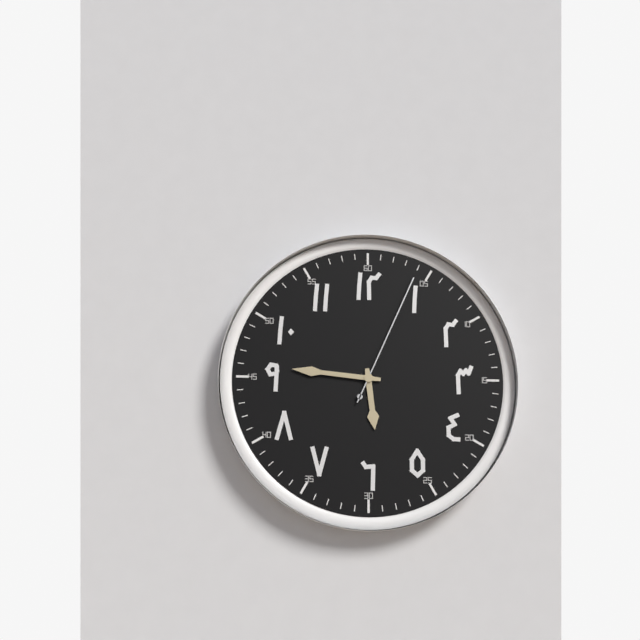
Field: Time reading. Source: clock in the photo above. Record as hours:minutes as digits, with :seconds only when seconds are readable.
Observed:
5:46:04
